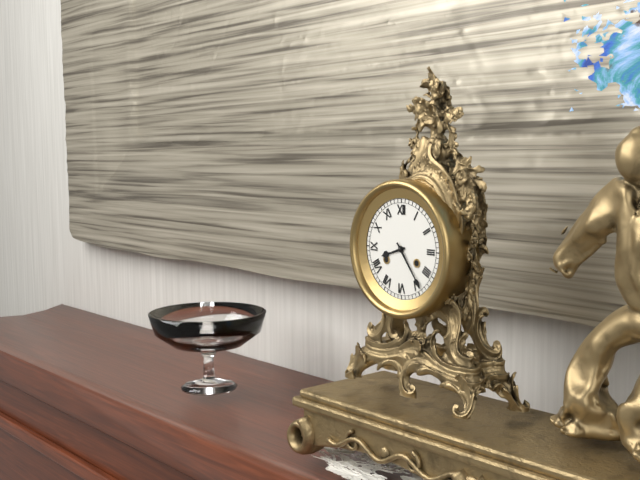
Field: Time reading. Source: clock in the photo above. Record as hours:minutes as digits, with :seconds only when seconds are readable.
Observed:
8:24
